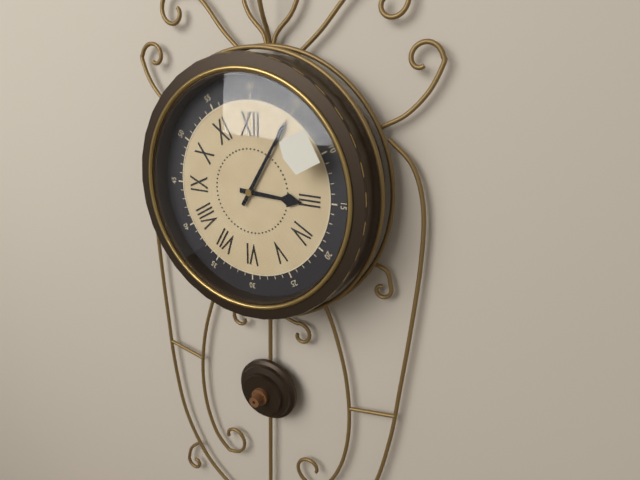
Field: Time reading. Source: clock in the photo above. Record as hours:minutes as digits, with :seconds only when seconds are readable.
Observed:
3:05
